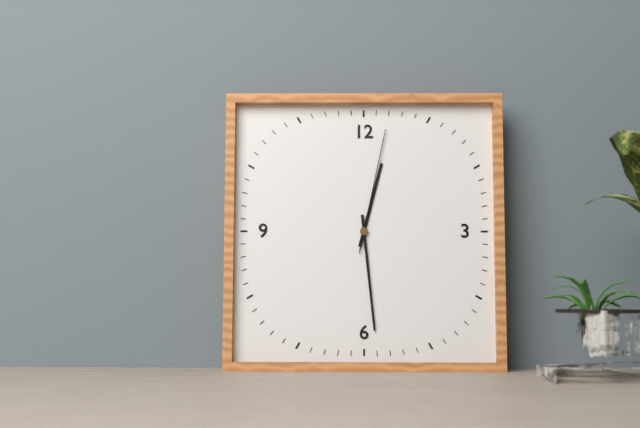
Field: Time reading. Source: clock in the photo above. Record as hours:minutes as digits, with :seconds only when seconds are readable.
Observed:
12:29:02
